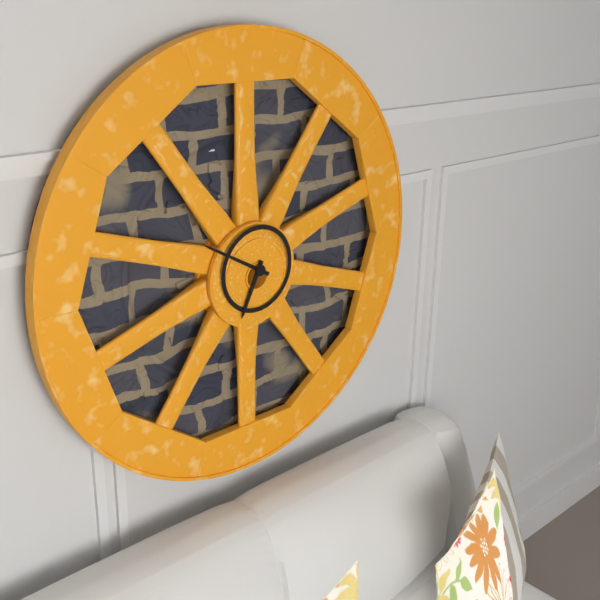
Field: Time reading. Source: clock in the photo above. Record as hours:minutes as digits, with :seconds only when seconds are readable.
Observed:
6:50
